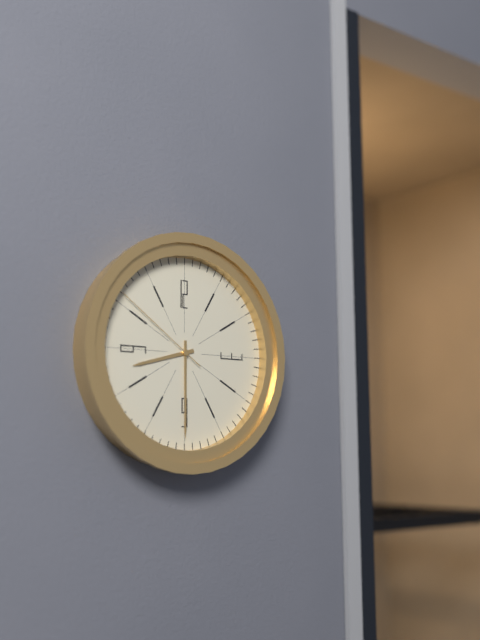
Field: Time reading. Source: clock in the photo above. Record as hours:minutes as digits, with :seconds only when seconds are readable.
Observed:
8:30:51
